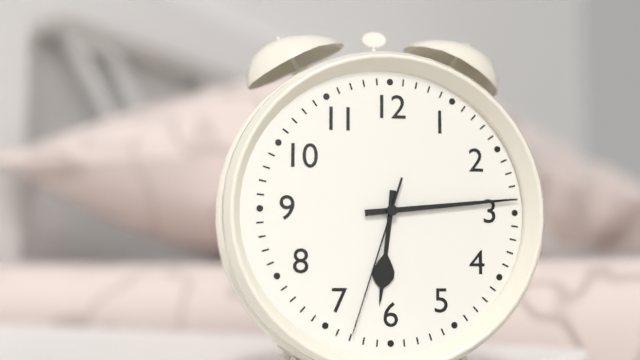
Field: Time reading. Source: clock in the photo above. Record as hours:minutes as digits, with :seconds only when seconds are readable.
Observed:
6:14:33
